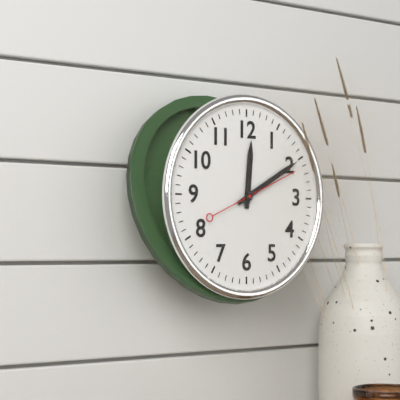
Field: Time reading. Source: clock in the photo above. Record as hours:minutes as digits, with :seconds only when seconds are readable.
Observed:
12:10:11
